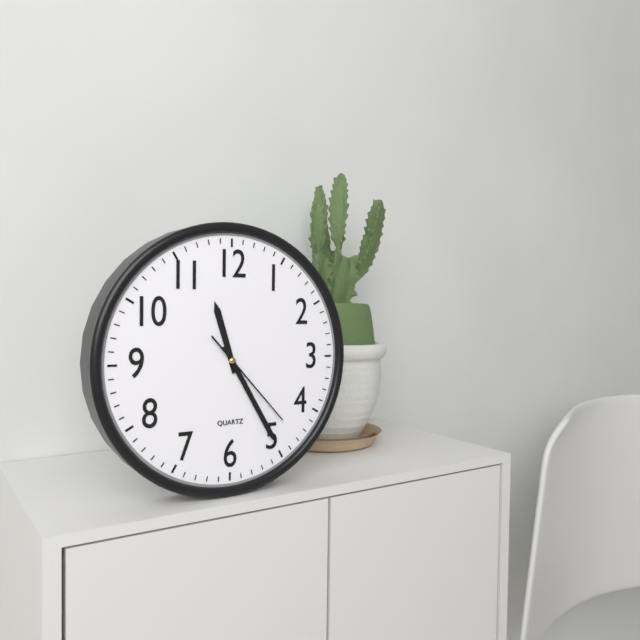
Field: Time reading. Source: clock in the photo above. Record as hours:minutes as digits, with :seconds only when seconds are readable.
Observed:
11:25:23
